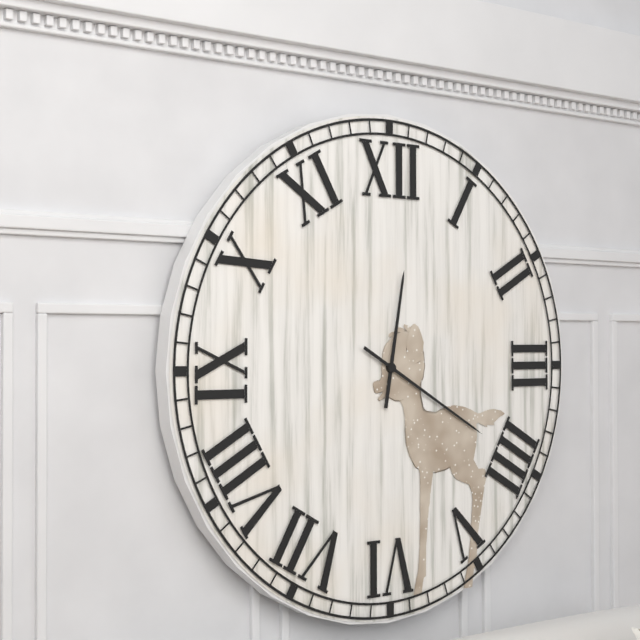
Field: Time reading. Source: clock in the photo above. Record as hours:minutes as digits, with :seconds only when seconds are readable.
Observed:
12:20
